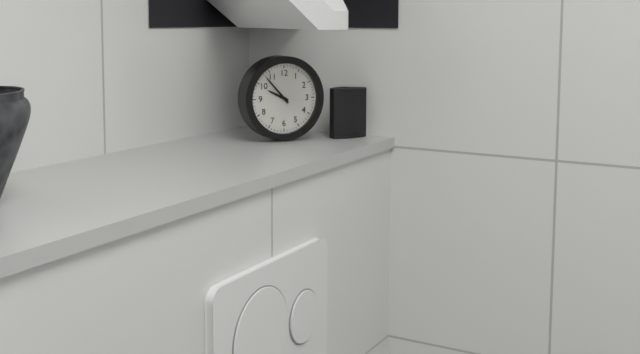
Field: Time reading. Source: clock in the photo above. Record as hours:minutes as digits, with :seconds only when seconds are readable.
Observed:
9:53
